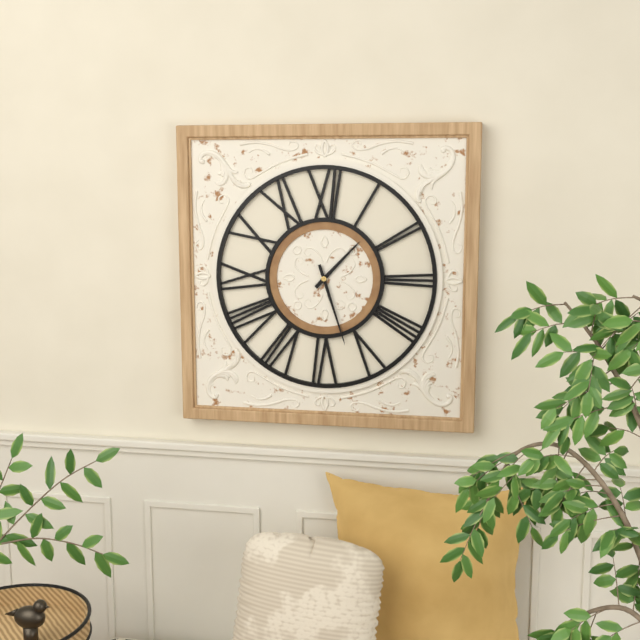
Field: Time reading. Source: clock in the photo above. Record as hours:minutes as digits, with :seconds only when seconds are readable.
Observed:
1:27
